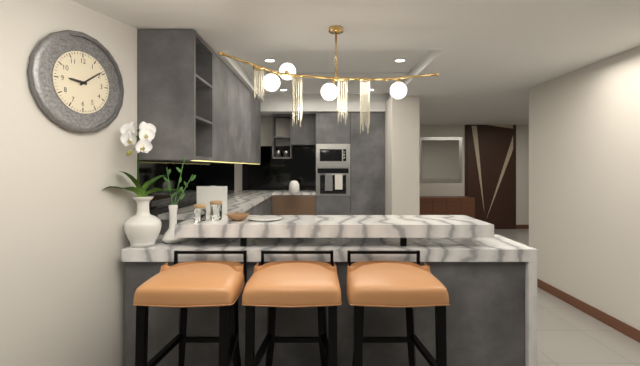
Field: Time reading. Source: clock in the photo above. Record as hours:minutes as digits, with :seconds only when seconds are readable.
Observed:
9:09
